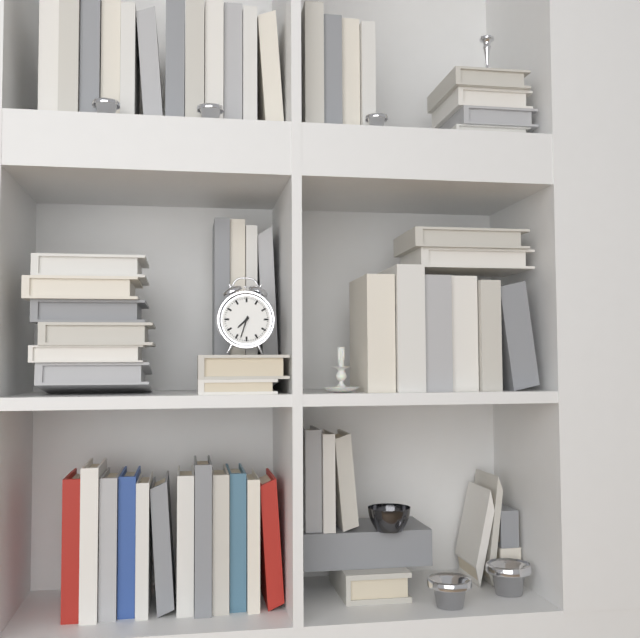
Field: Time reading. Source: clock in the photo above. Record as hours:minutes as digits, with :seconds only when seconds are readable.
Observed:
7:33
